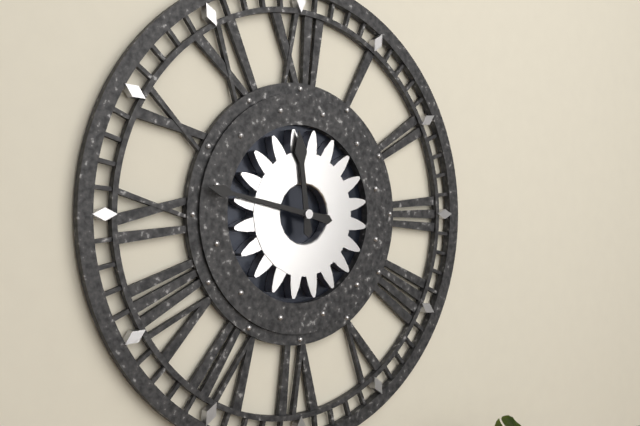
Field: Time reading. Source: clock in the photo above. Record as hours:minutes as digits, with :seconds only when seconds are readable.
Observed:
11:47
